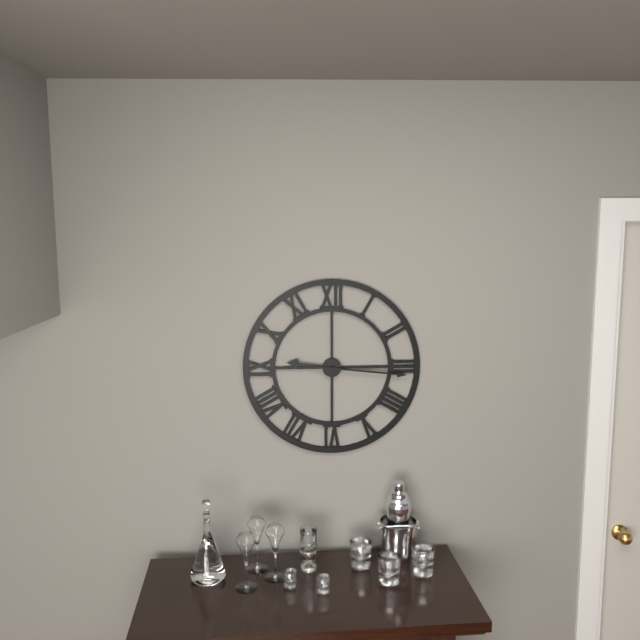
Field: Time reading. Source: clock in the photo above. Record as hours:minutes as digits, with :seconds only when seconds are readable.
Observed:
9:16
